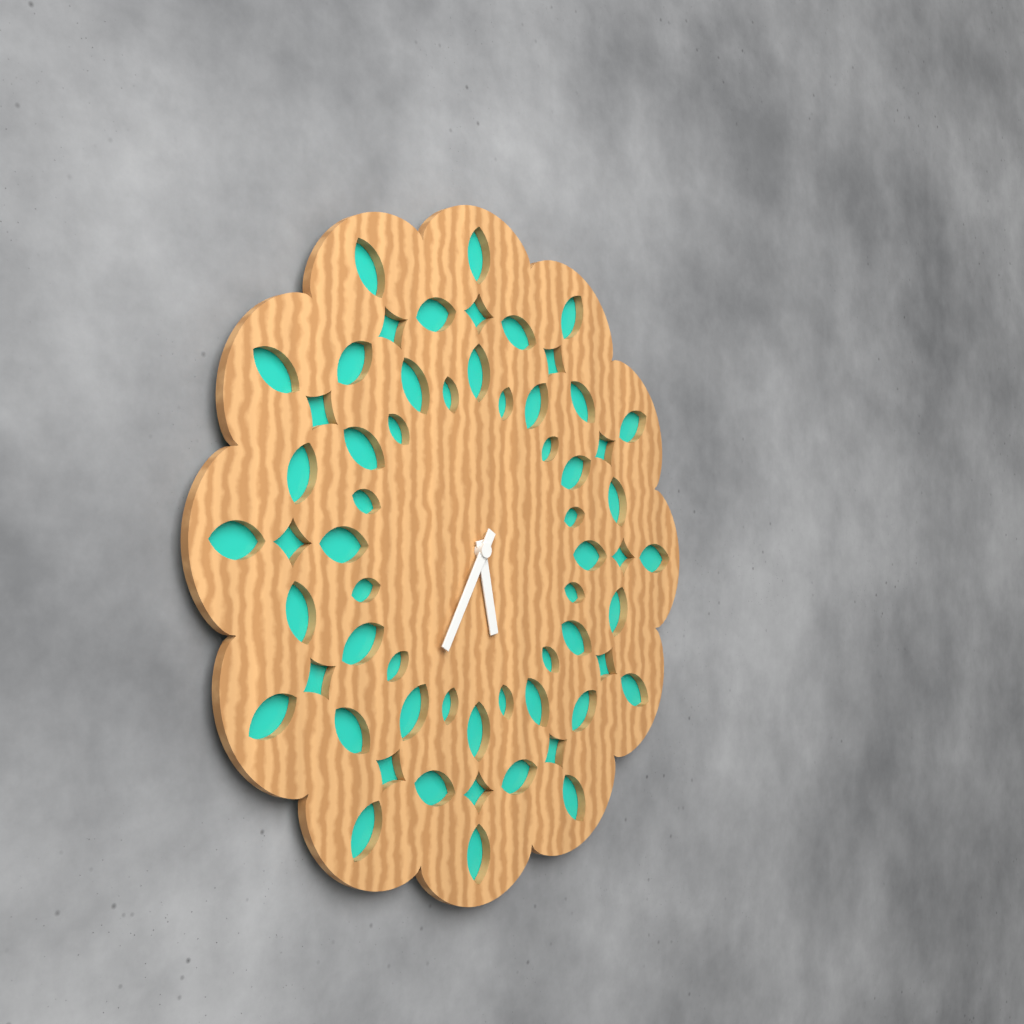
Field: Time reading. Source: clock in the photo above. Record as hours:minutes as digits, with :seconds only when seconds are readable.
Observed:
5:35
